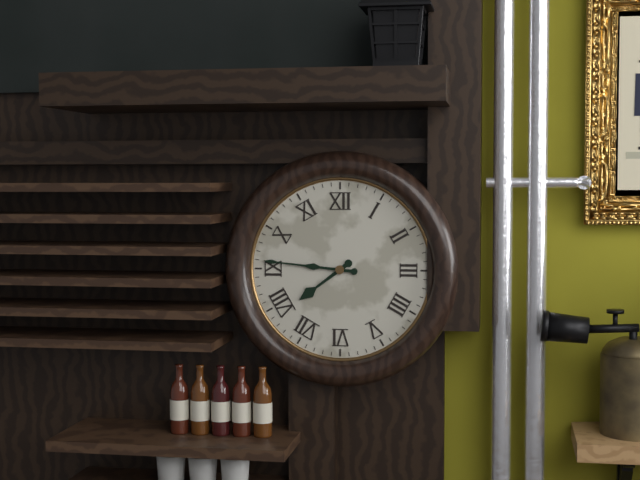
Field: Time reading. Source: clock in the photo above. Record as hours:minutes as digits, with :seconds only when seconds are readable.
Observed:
7:46
